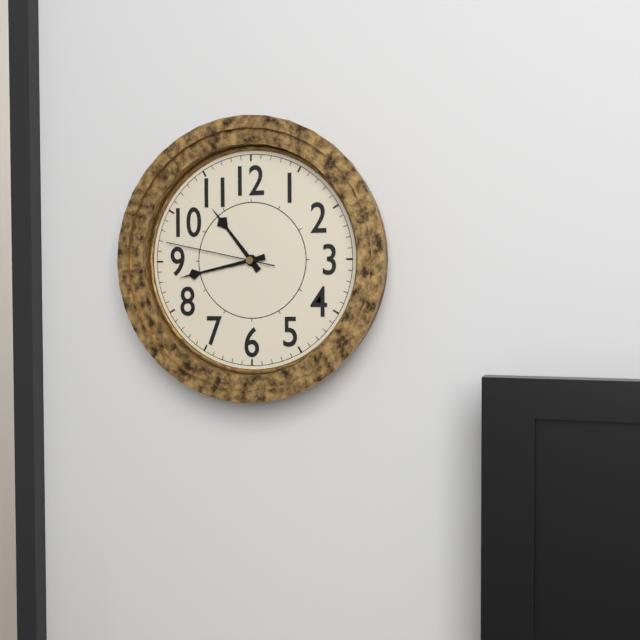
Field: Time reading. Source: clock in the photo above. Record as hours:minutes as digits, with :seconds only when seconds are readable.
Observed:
10:43:47
